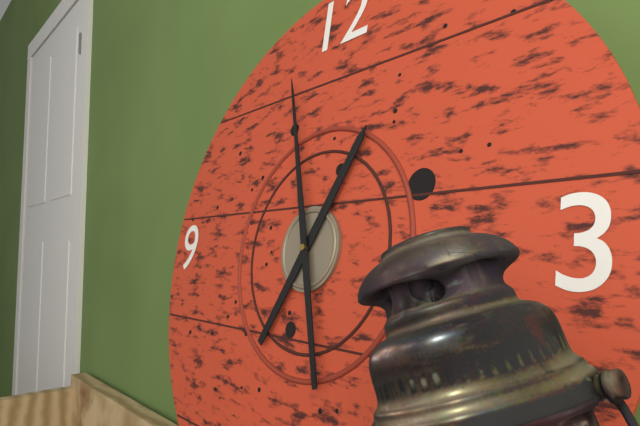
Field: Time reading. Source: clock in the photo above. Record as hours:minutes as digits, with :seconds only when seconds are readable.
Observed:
12:57
